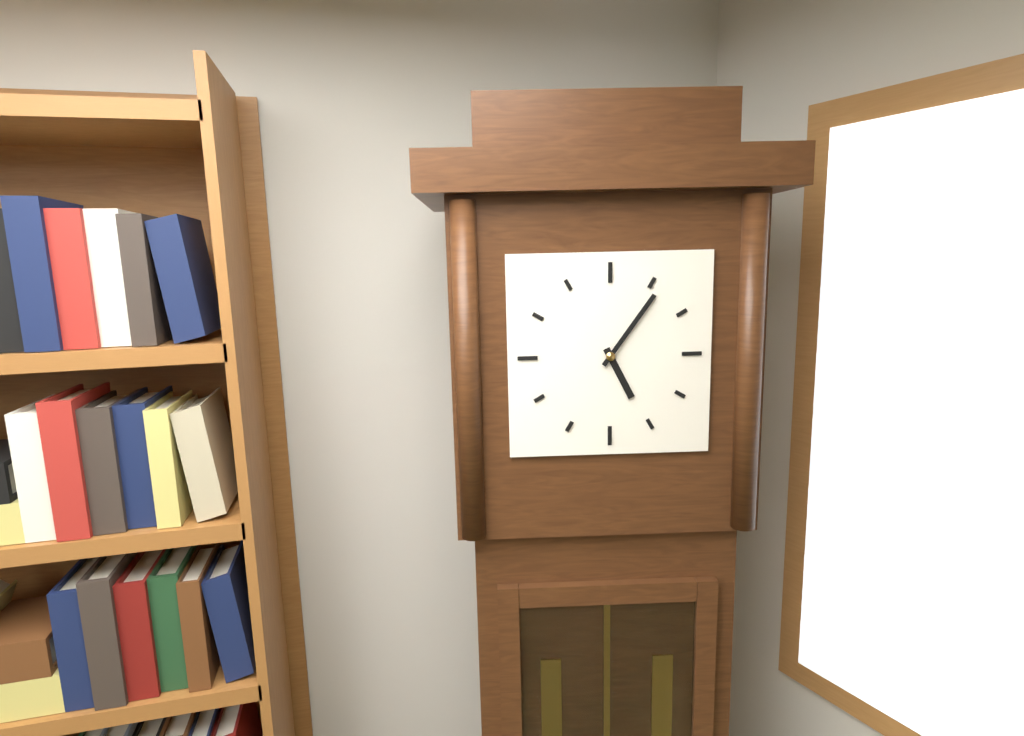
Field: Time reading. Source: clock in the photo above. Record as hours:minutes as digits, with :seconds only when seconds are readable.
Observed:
5:06
